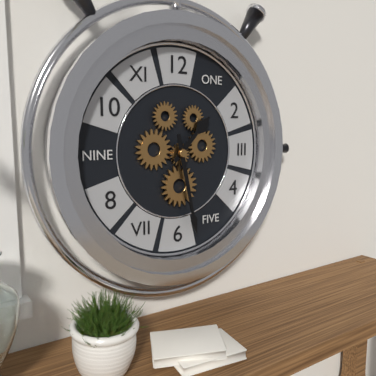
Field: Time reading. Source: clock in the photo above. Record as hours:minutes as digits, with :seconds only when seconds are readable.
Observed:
1:28
